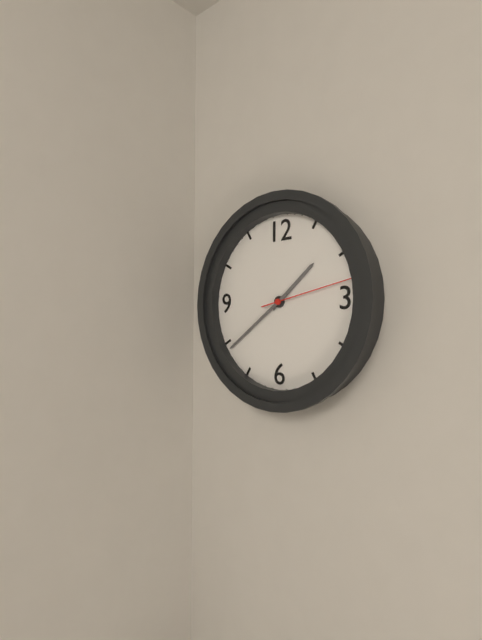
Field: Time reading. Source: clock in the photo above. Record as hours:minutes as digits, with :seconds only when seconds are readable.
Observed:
1:39:13
